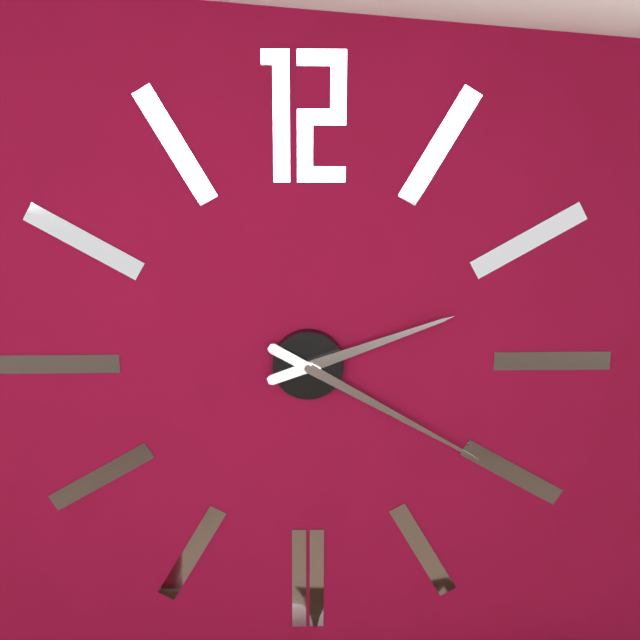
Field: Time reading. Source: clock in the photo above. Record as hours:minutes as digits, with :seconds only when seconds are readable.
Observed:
2:20
